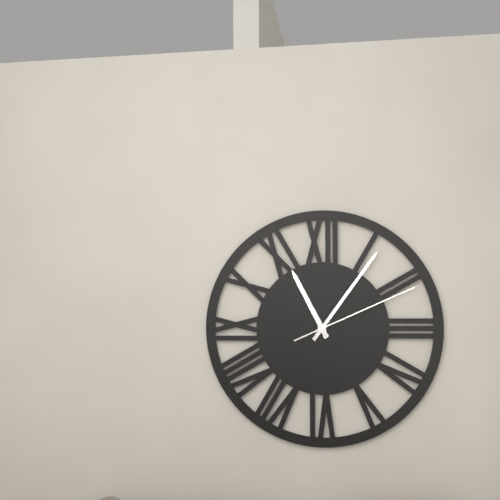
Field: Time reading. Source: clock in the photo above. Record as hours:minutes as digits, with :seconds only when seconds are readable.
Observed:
11:06:11
